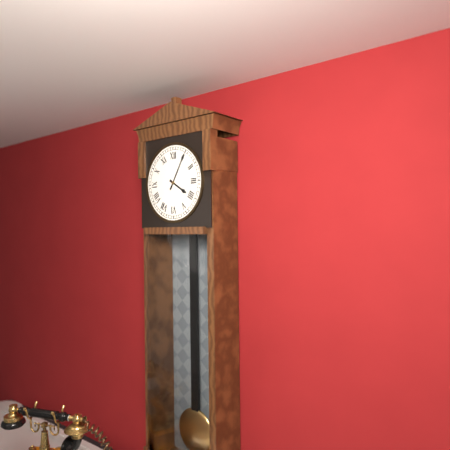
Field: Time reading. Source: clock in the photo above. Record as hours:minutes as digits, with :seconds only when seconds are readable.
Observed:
4:05
